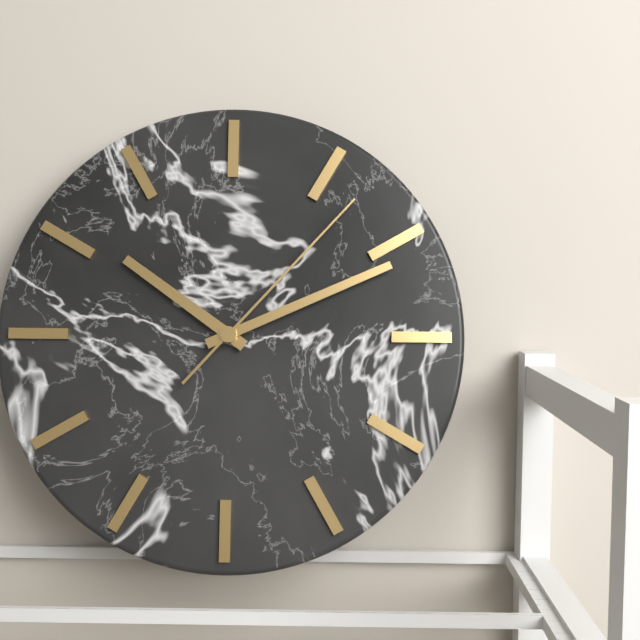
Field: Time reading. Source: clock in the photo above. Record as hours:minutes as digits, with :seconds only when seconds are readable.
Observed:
10:11:07
